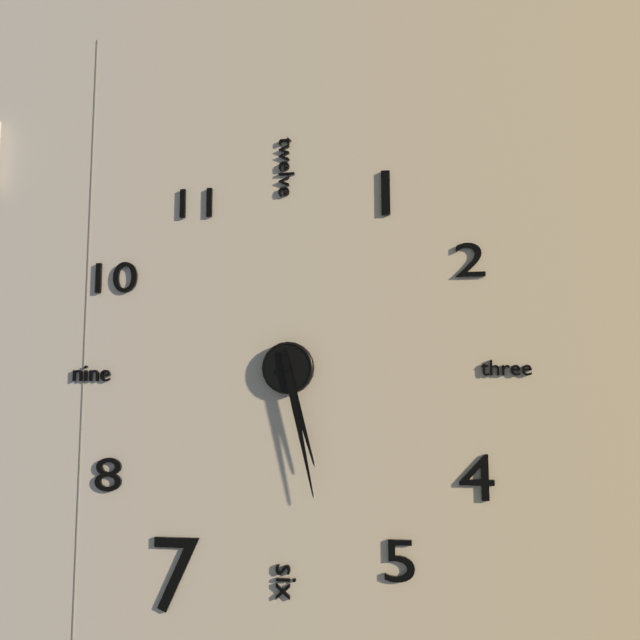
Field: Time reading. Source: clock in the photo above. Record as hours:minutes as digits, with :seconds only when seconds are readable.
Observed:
5:28
